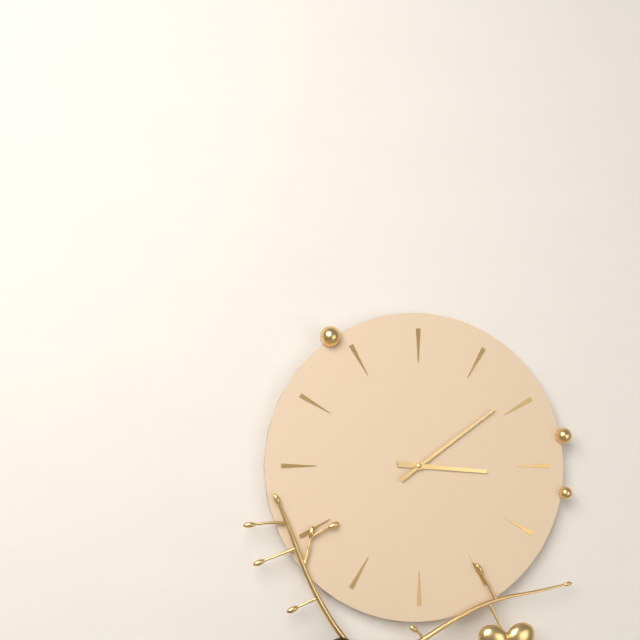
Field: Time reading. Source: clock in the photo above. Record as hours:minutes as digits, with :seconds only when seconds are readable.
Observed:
3:09
